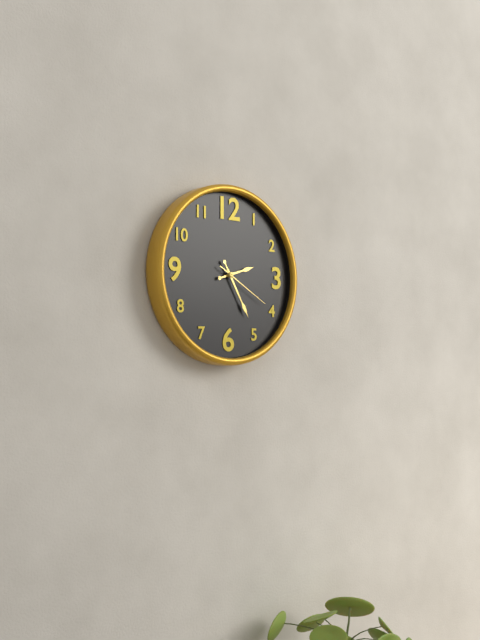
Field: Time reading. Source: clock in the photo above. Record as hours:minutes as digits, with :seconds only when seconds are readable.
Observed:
2:25:20
